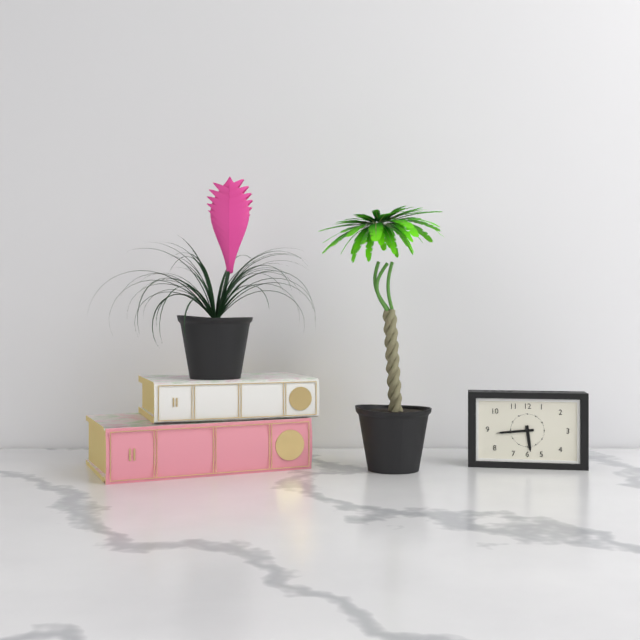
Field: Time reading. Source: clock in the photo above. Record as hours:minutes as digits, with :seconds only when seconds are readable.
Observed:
5:44
